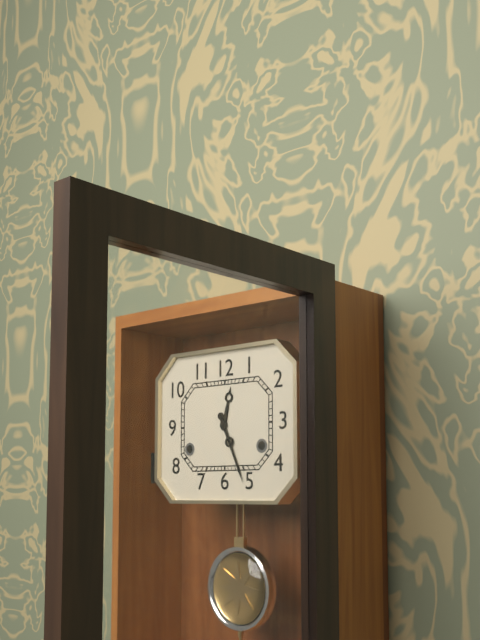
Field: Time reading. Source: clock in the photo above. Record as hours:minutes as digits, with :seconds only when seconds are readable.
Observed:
12:26
